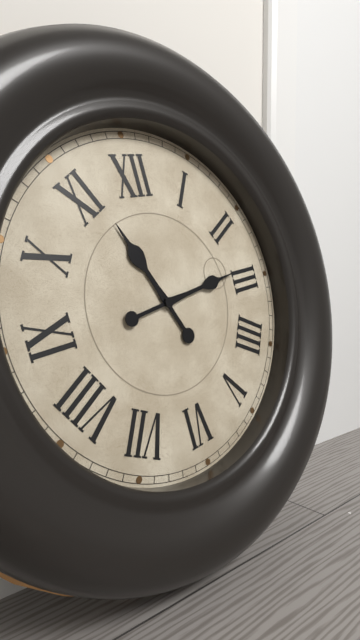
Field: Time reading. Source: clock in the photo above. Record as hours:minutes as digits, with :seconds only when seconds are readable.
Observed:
11:14
